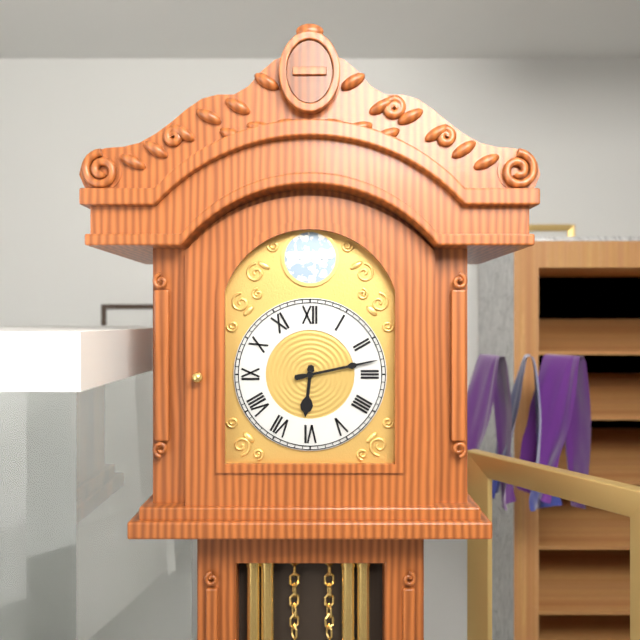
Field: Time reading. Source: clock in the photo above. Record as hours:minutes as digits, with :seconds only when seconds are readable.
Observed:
6:13
